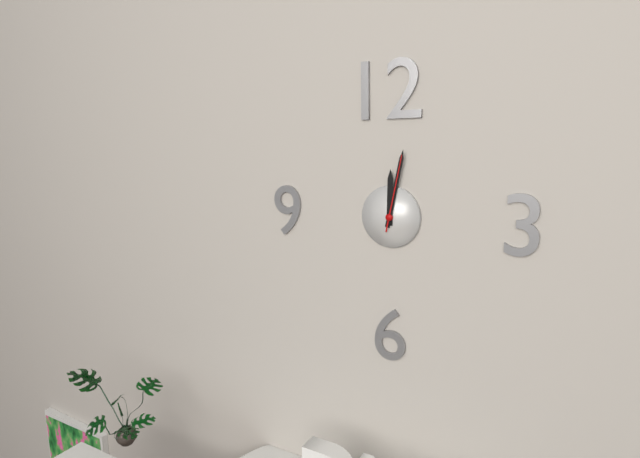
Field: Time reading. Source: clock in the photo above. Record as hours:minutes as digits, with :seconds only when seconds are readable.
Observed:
12:02:02
